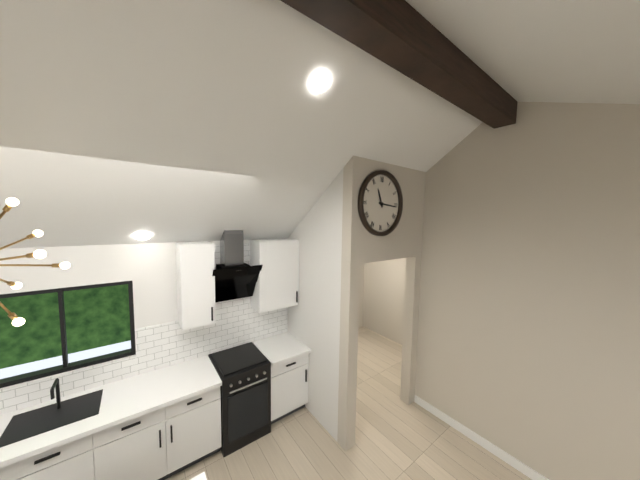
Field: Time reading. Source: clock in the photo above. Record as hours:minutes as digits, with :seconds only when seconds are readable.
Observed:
11:16
